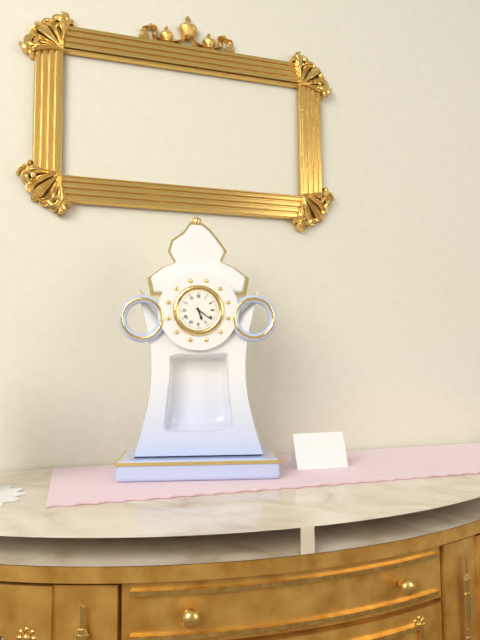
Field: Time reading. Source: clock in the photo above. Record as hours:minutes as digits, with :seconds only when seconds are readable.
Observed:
5:21
